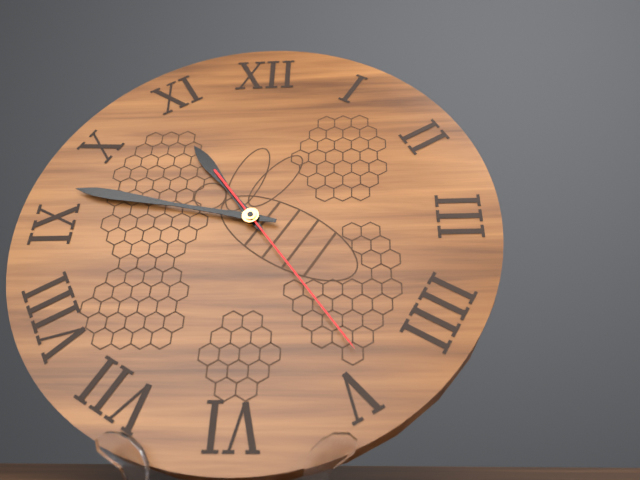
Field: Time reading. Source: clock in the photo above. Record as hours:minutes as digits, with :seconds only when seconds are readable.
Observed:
10:47:24
